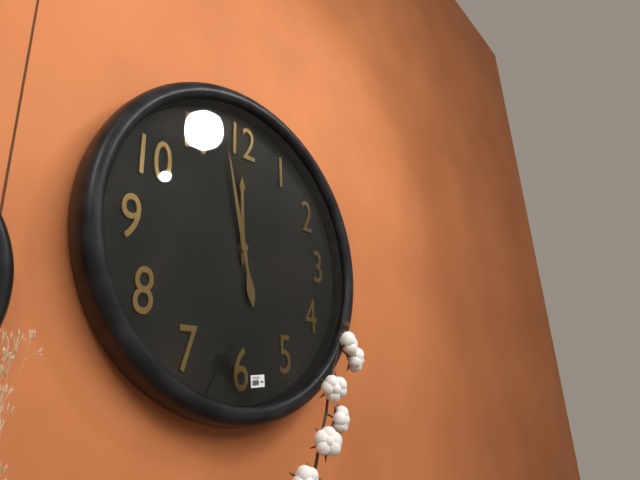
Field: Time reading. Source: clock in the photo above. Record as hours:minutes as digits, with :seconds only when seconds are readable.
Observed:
11:58
